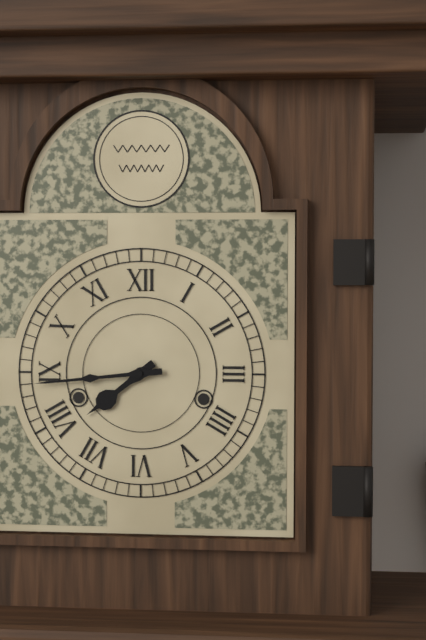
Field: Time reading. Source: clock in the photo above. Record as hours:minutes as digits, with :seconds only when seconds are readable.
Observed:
7:44
